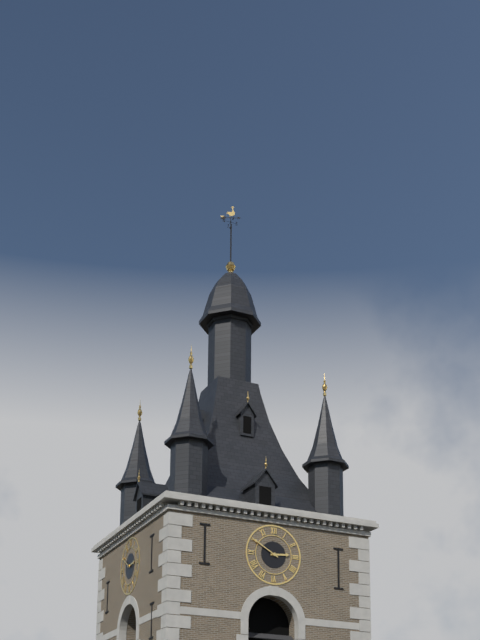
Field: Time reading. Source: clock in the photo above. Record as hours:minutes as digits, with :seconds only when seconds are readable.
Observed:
2:50
